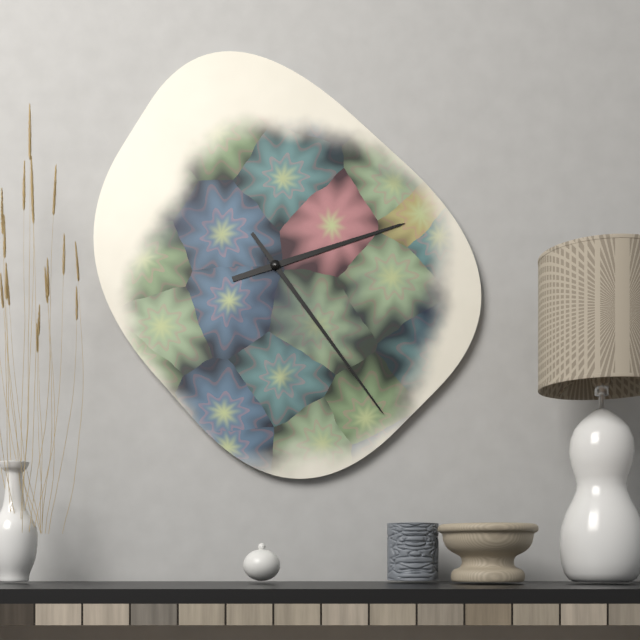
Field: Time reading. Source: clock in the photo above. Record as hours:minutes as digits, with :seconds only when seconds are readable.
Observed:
2:24
